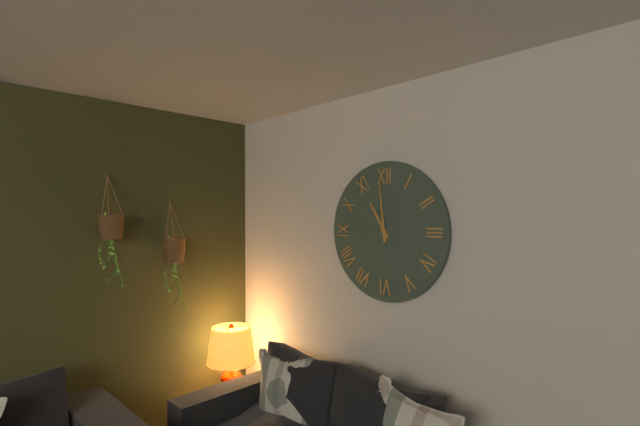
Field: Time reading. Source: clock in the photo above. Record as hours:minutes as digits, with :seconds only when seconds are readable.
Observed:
10:59
